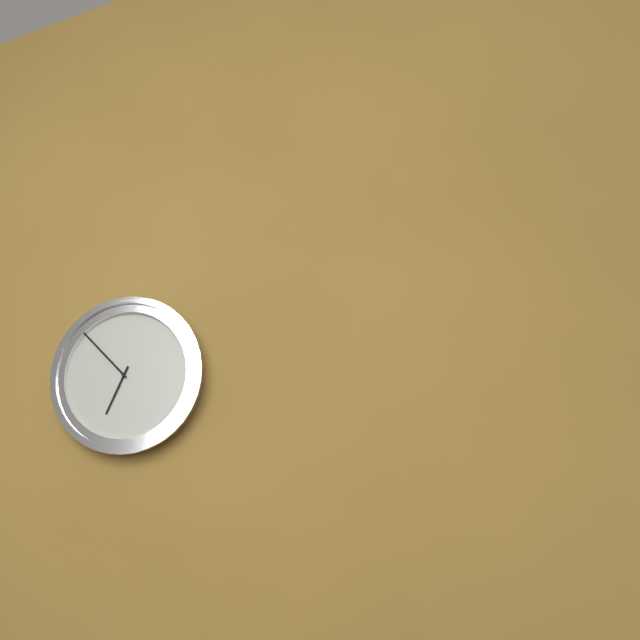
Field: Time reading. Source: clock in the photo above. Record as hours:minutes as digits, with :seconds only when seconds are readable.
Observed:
6:53
